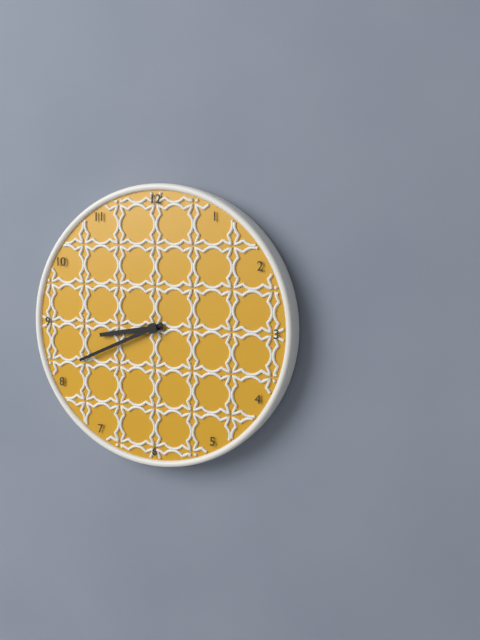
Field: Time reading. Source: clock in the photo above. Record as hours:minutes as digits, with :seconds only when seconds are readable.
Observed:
8:41
